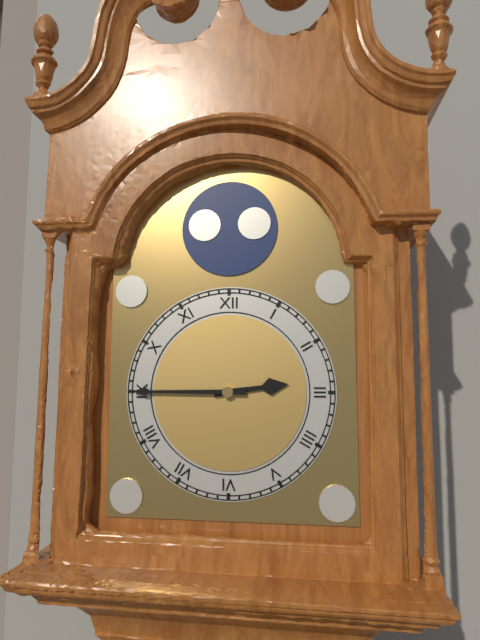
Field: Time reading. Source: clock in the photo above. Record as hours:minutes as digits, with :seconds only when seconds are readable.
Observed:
2:45
